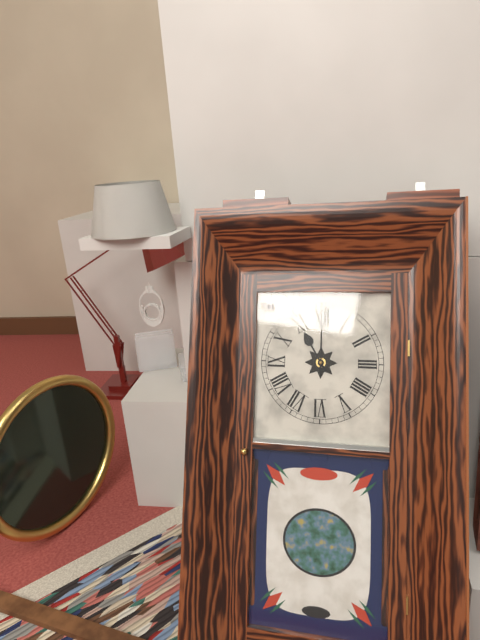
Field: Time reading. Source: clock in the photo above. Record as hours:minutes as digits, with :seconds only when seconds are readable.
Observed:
11:00
